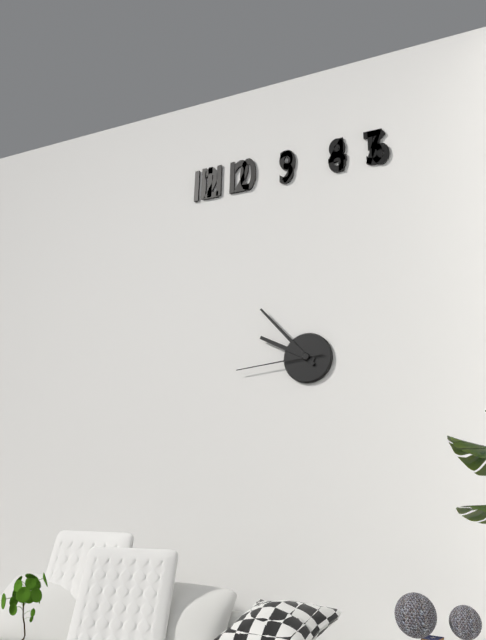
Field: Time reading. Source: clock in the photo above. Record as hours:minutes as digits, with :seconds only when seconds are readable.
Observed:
9:53:44
